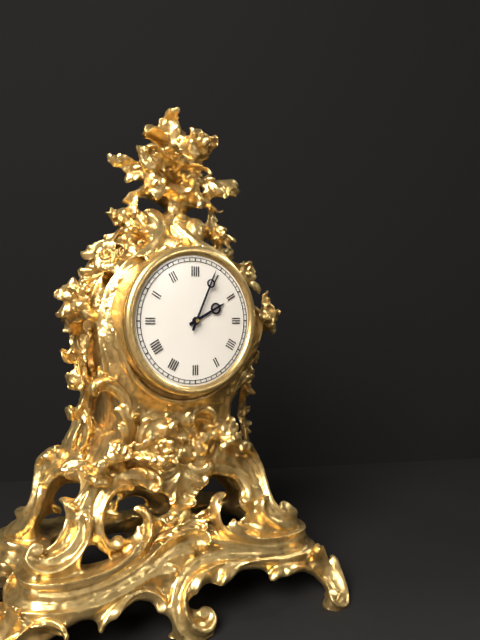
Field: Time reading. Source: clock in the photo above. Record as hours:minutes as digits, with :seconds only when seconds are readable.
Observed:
2:04
